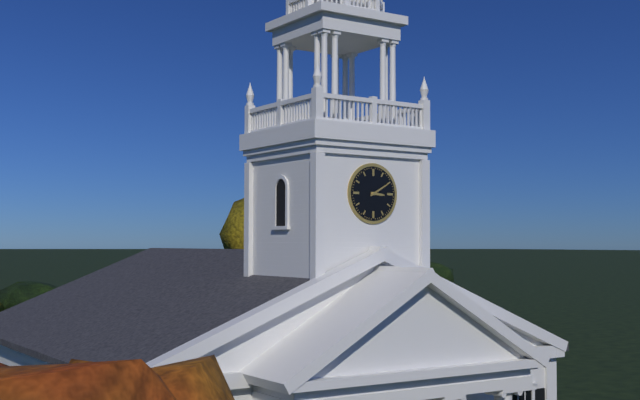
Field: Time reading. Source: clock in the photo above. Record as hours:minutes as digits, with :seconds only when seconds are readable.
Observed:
3:10
